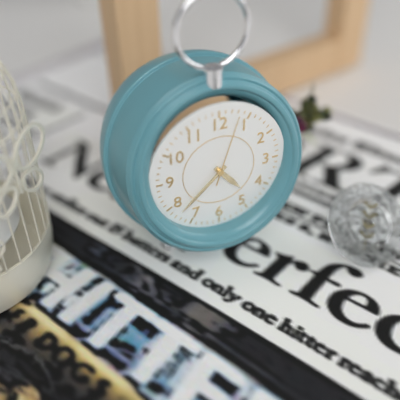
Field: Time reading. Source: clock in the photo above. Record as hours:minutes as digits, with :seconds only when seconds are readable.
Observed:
4:38:03
